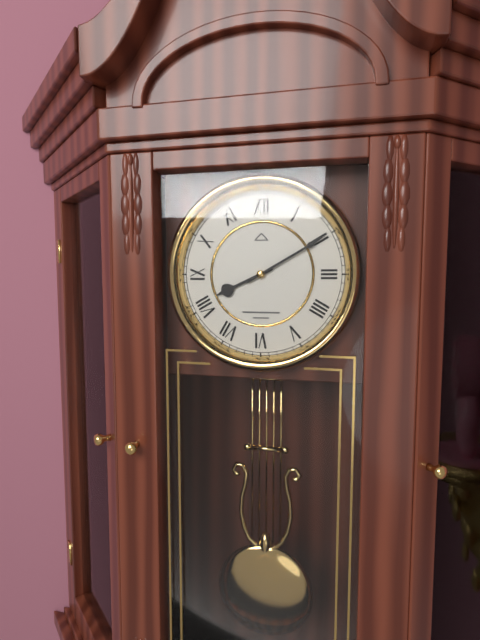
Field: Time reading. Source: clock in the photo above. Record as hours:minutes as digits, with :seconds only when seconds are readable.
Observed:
8:10
